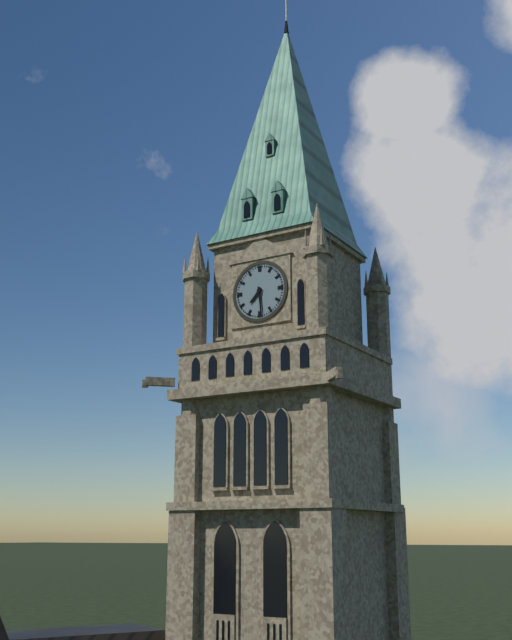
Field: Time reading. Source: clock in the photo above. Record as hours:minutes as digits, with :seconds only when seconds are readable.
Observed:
7:29
